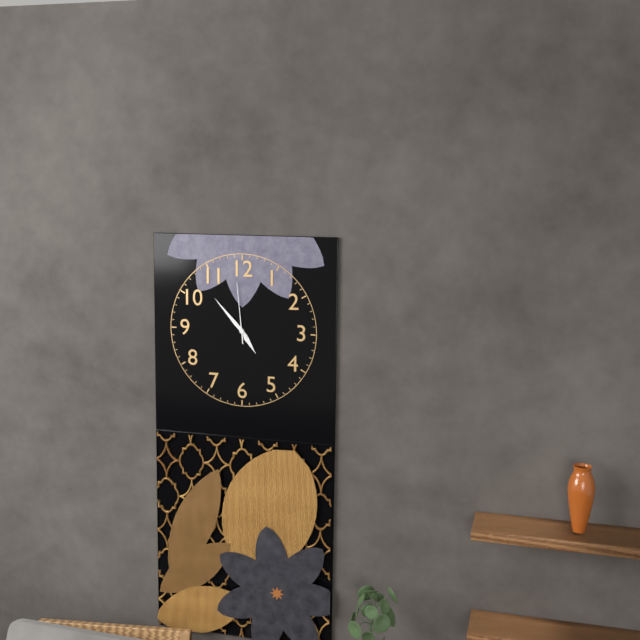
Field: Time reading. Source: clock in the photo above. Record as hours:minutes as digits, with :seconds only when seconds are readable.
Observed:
4:53:59
